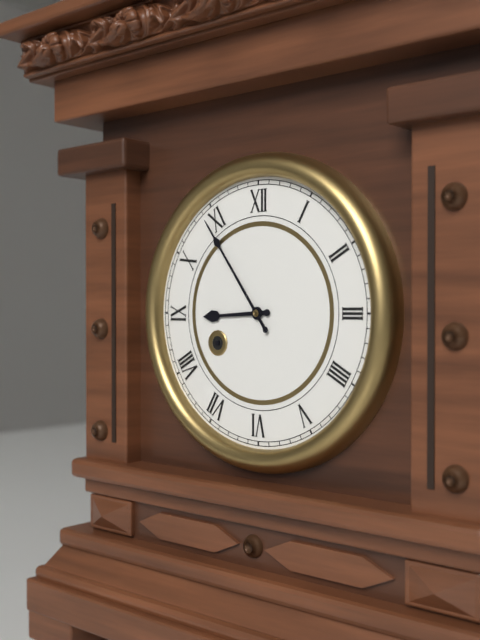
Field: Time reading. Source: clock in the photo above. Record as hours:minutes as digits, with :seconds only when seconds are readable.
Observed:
8:54
